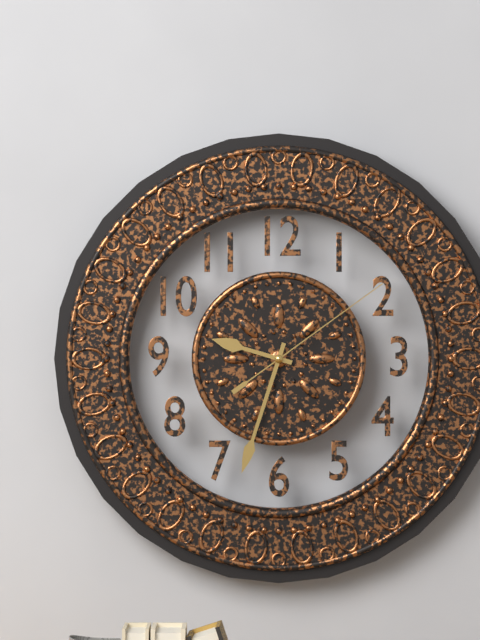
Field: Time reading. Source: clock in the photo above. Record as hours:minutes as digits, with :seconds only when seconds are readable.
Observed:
9:33:09
